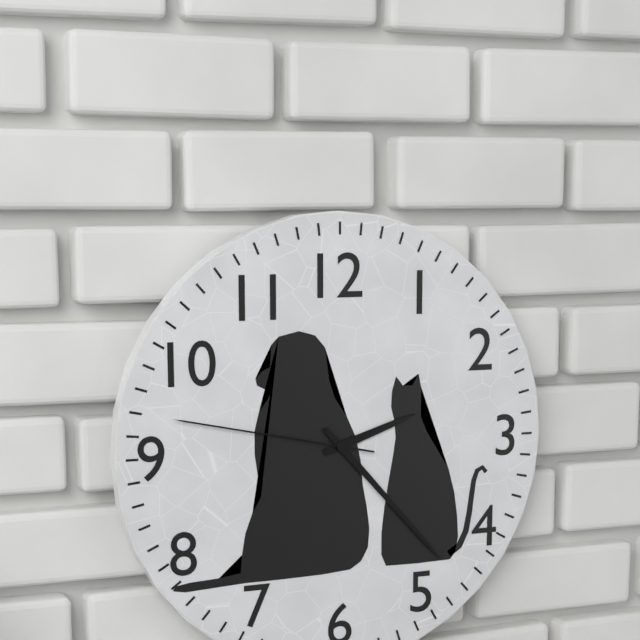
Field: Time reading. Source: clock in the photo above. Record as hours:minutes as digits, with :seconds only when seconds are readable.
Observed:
2:23:47
